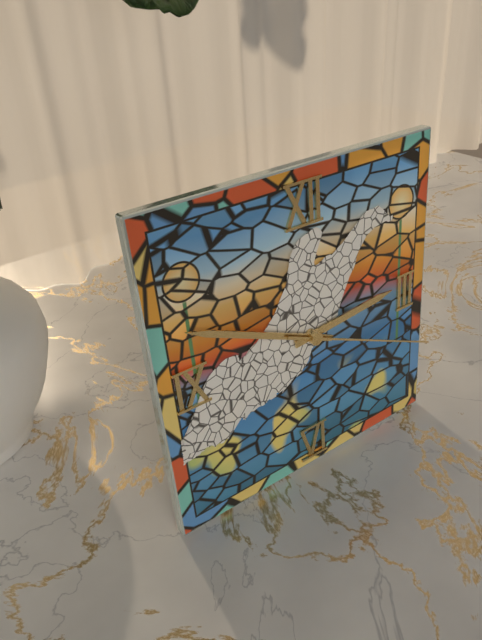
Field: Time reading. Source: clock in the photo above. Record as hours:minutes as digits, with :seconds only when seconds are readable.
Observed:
2:49:19
